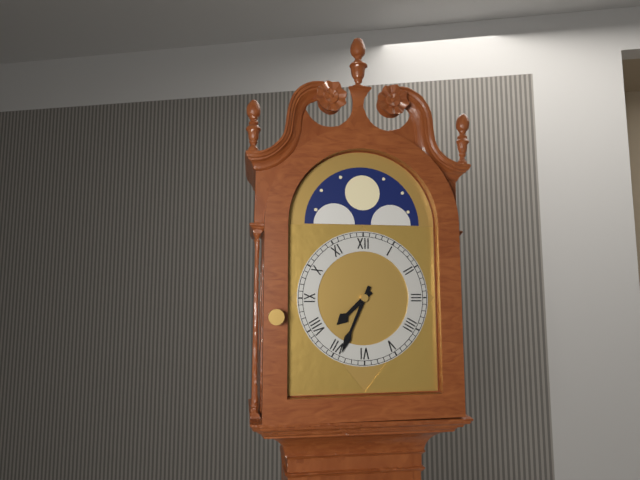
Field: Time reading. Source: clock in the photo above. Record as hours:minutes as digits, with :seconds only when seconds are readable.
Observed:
7:34
